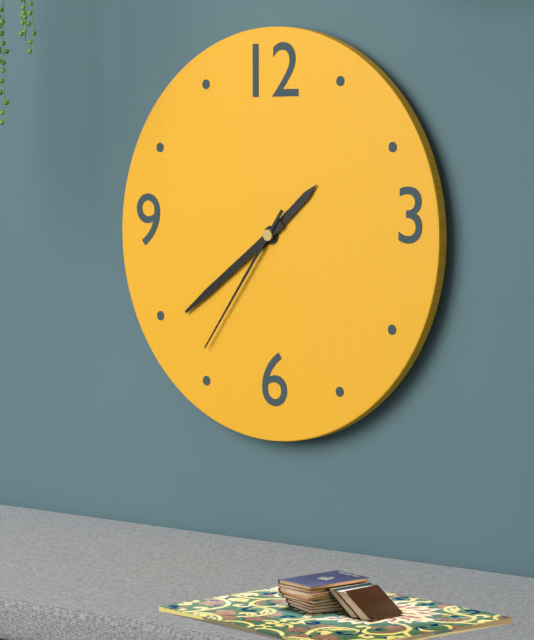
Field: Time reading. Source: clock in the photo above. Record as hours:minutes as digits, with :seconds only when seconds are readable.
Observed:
1:39:36
